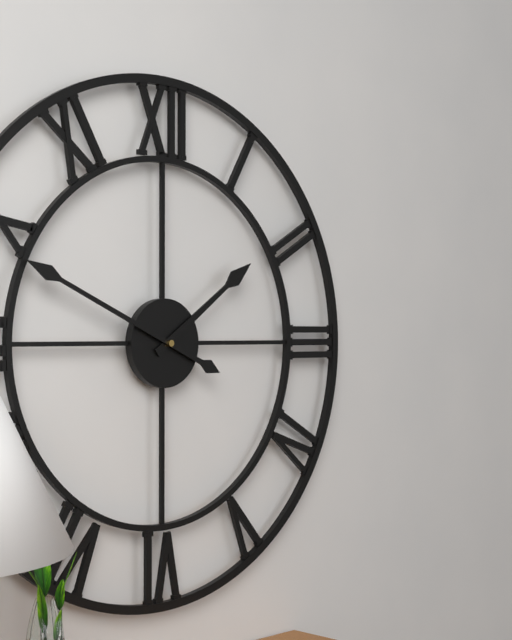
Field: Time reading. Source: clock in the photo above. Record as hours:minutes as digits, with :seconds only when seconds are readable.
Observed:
1:49
